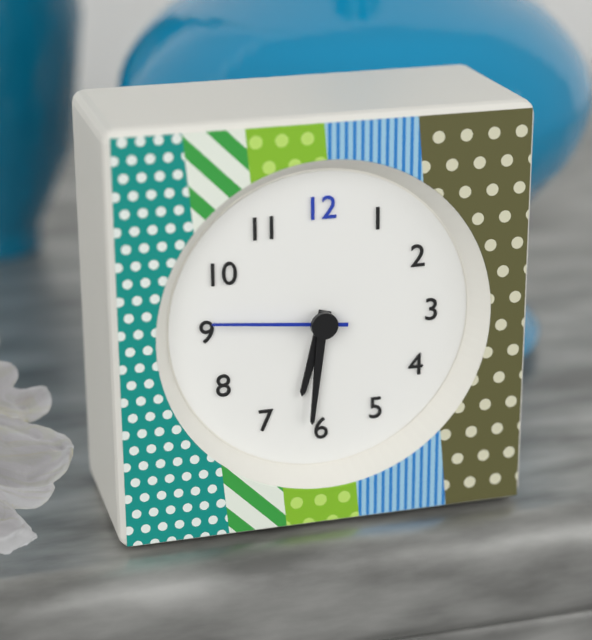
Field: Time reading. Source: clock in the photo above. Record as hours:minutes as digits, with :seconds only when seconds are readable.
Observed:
6:31:46
